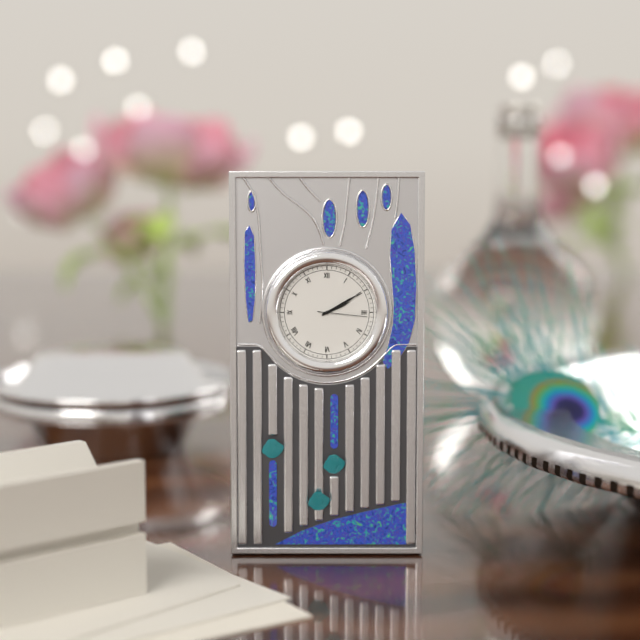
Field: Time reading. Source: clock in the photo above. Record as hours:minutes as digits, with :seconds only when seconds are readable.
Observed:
2:10:16
